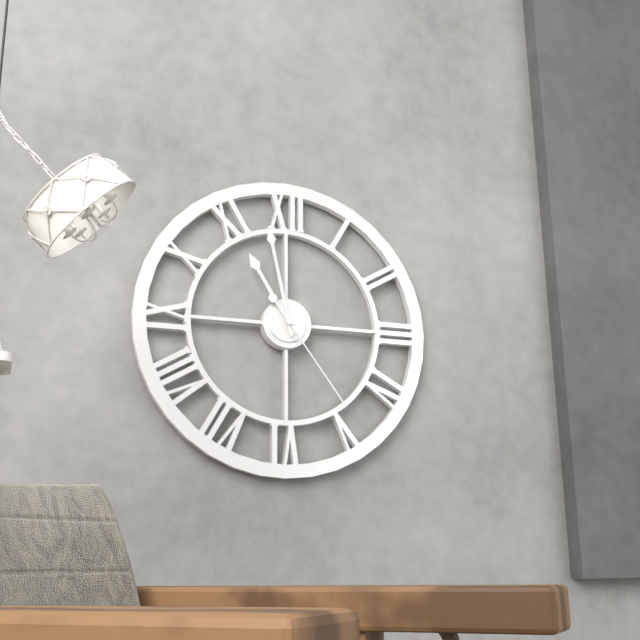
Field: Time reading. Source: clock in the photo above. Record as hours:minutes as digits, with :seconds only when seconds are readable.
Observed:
10:58:24
